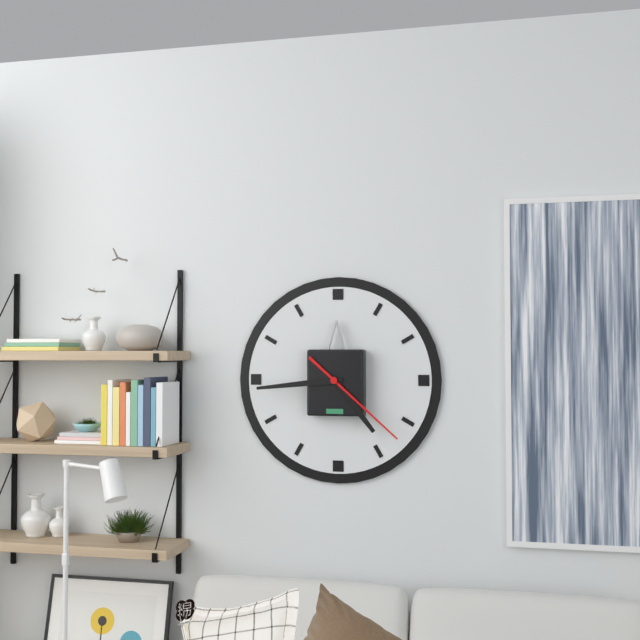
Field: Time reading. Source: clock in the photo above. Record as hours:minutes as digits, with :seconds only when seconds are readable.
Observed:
4:44:22
